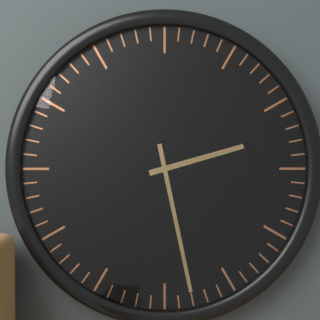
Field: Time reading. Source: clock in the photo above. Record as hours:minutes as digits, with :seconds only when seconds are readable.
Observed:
2:28
